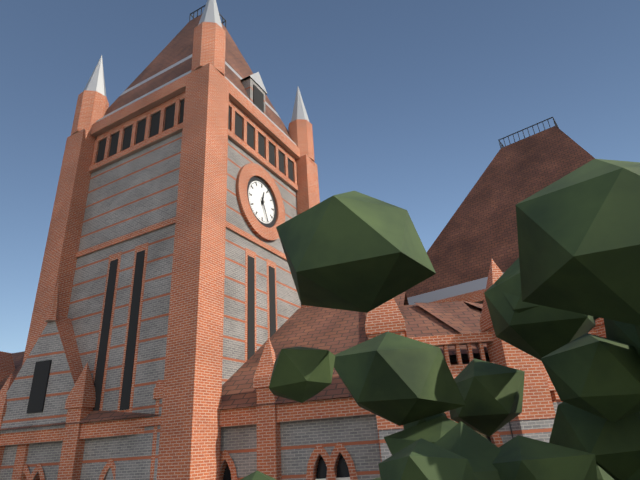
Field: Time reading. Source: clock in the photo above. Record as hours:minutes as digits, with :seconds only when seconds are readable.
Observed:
12:26
